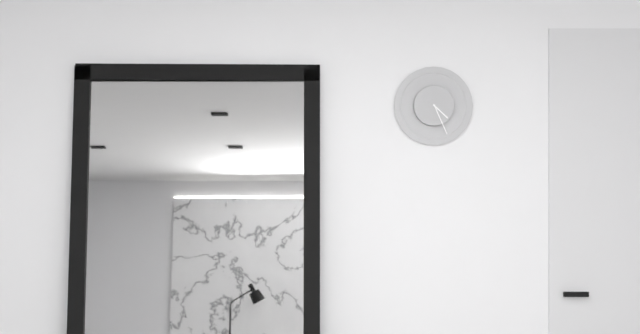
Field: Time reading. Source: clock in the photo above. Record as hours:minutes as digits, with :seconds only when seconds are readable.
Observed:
4:26
